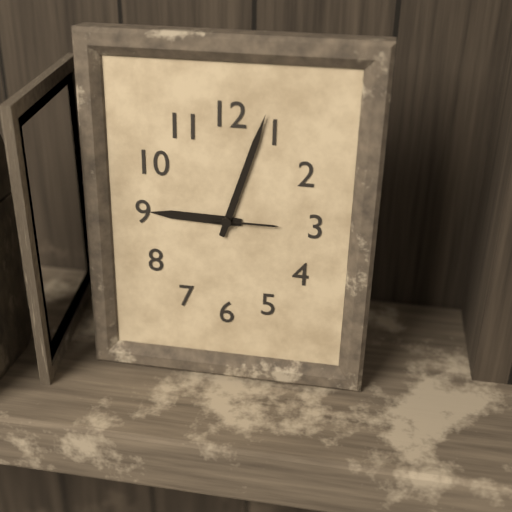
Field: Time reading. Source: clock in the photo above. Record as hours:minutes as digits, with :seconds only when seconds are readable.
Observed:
9:03:15
